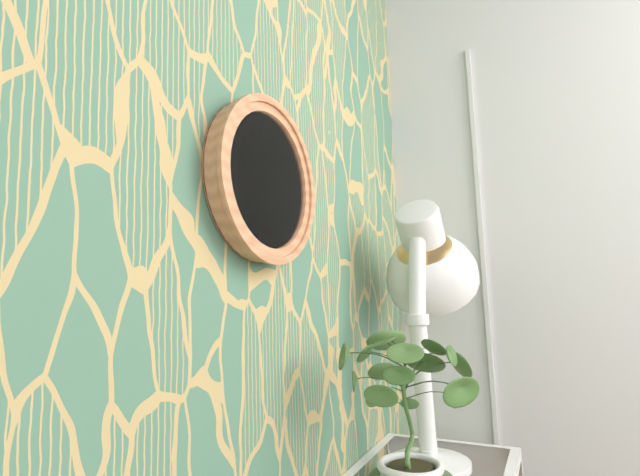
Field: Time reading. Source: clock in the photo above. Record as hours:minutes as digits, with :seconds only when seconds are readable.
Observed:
6:15
